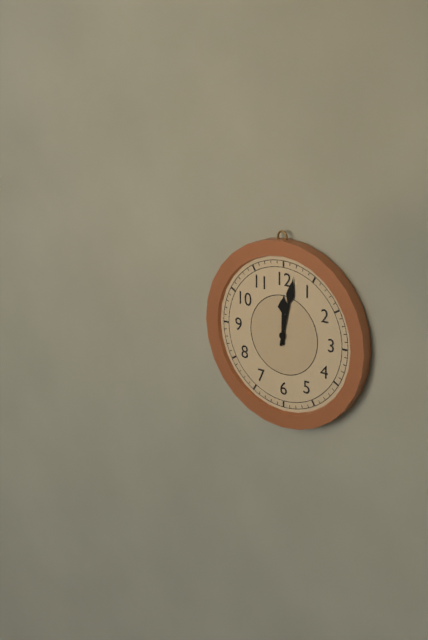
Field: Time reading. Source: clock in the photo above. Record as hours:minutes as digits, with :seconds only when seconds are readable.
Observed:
12:02
